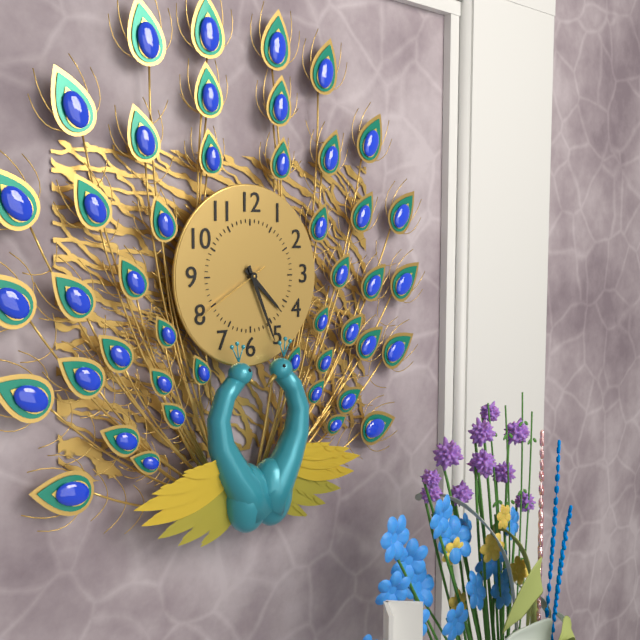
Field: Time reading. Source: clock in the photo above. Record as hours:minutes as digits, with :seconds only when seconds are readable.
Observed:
4:26:40
